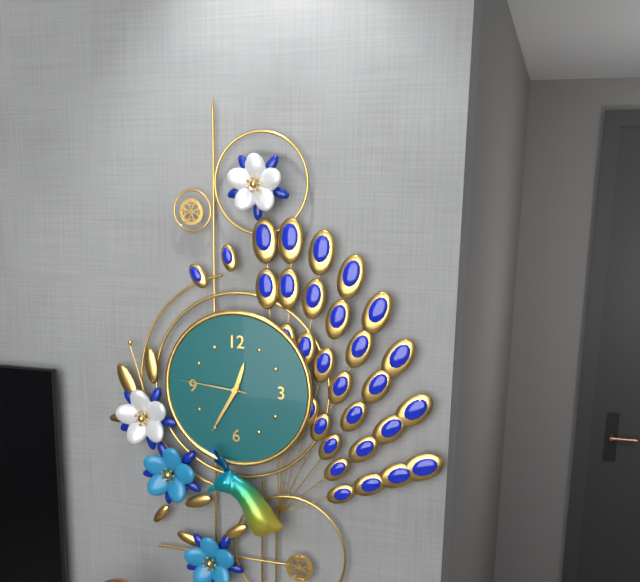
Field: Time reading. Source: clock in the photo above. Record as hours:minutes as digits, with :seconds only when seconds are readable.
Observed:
12:35:46
